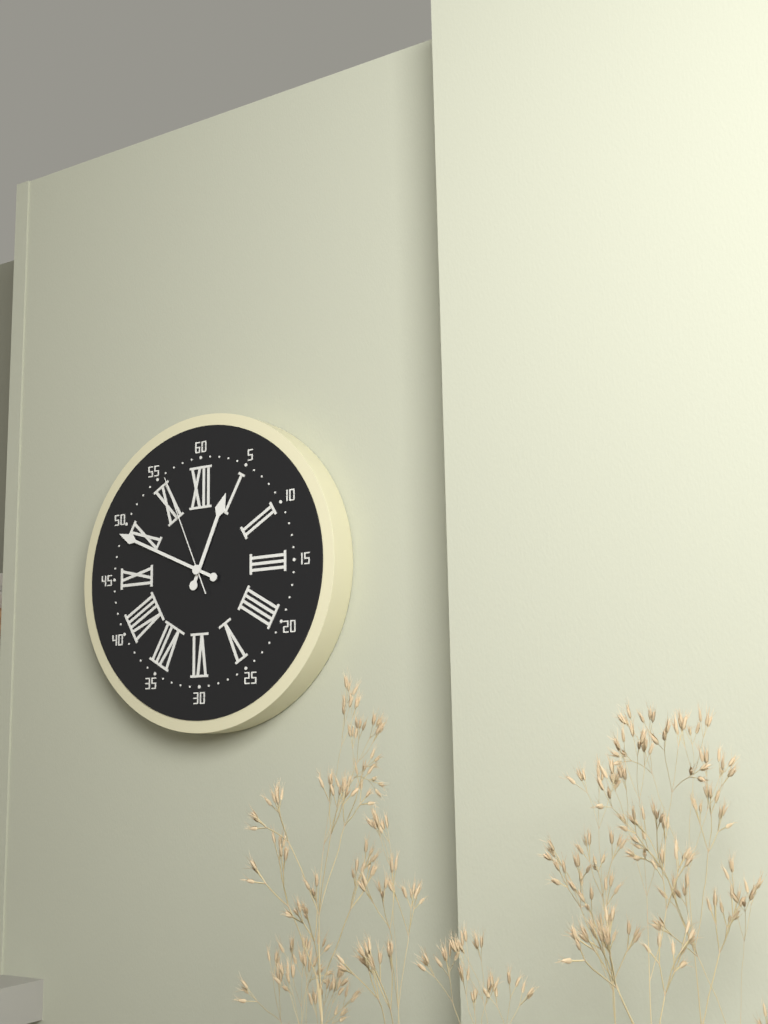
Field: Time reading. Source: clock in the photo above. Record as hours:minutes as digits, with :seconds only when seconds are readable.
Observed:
12:49:56
